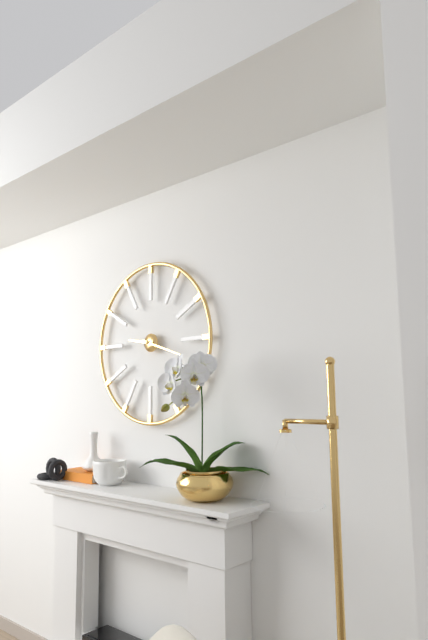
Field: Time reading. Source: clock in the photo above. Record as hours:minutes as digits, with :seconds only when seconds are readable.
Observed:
9:18
